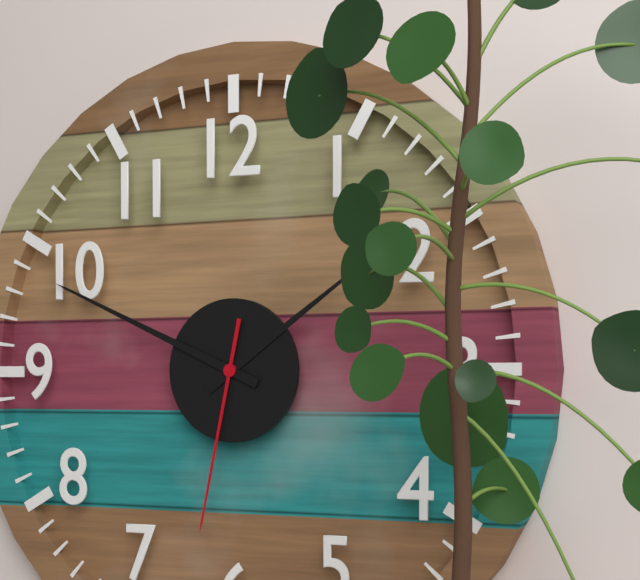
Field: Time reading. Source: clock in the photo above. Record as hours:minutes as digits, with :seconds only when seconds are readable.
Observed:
1:49:32
